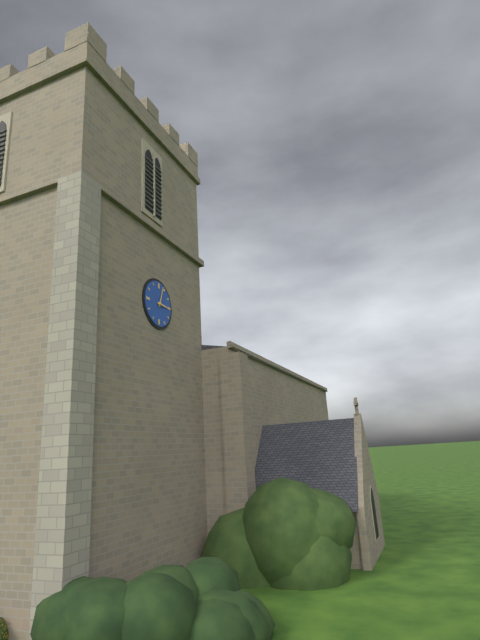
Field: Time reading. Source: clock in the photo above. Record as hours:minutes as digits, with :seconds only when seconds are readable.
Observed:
3:03
